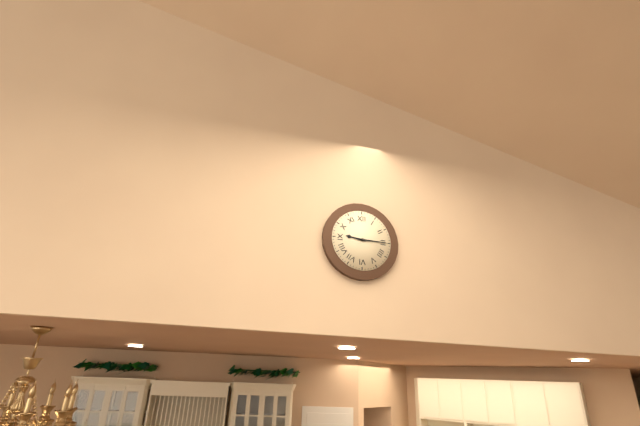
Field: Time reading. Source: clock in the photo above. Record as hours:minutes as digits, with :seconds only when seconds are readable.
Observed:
9:15
